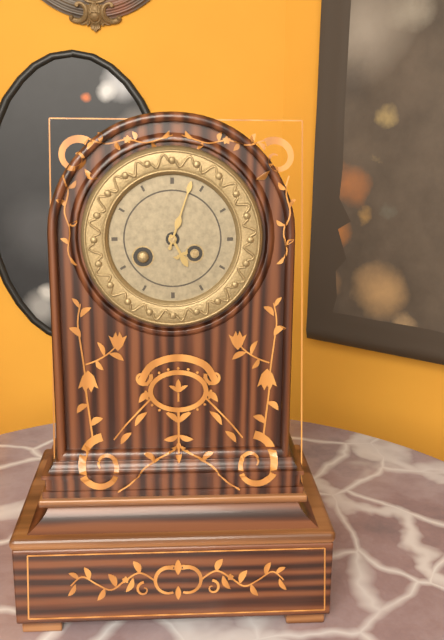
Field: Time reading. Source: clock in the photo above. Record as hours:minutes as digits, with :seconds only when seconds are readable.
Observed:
5:03
